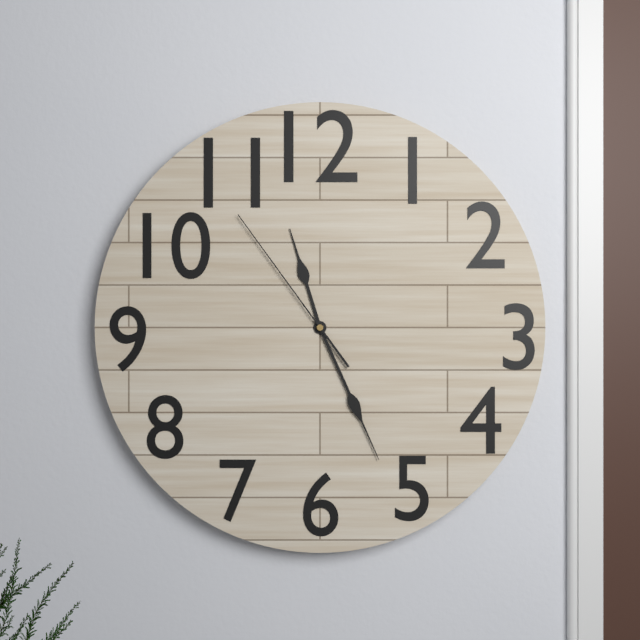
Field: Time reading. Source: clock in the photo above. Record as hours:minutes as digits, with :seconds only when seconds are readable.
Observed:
11:26:54
